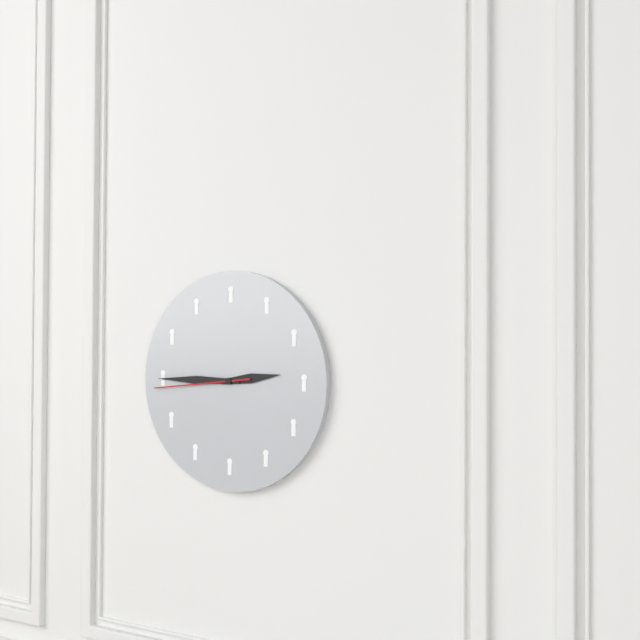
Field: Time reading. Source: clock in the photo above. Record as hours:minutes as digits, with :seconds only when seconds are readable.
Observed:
2:45:44
